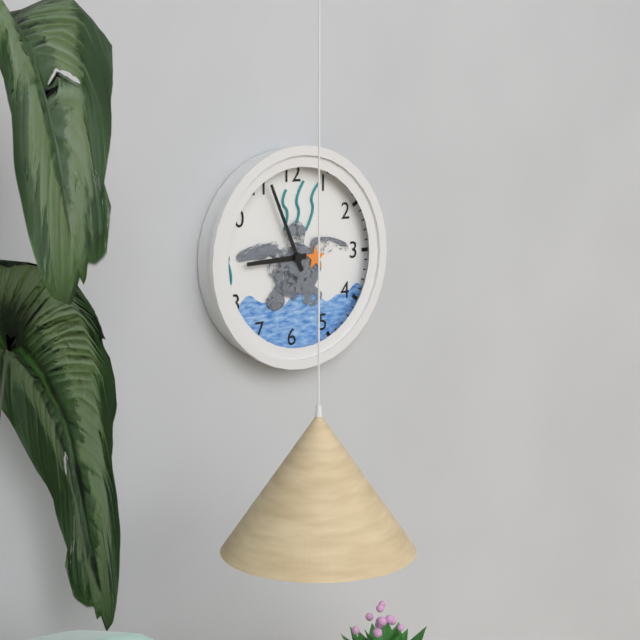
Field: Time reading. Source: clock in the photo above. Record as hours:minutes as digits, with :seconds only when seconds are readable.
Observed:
8:56
